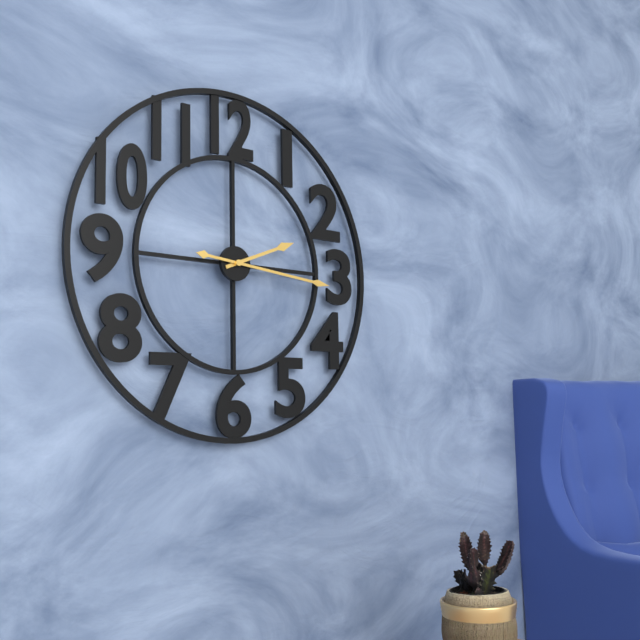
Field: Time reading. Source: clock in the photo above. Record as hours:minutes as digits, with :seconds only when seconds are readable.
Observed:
2:16
